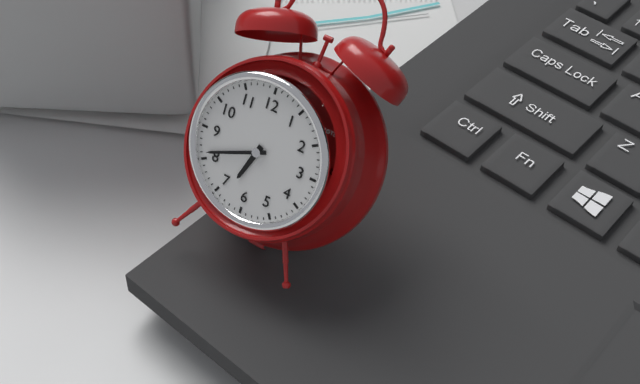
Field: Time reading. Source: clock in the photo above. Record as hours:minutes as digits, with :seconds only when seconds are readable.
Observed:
6:41
